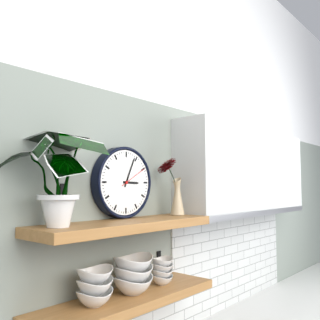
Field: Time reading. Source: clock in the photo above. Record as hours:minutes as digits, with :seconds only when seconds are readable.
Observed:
3:04
